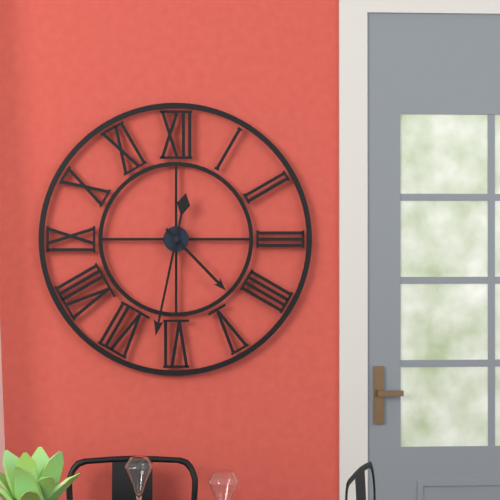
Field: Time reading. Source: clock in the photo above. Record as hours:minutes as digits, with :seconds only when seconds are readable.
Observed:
4:32
